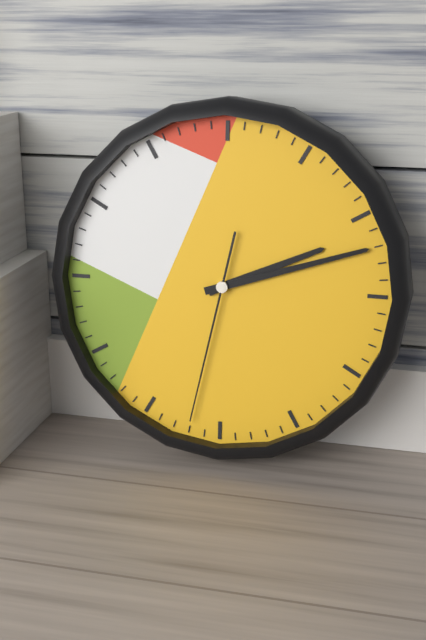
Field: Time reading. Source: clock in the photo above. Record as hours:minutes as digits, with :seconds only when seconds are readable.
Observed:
2:12:32
